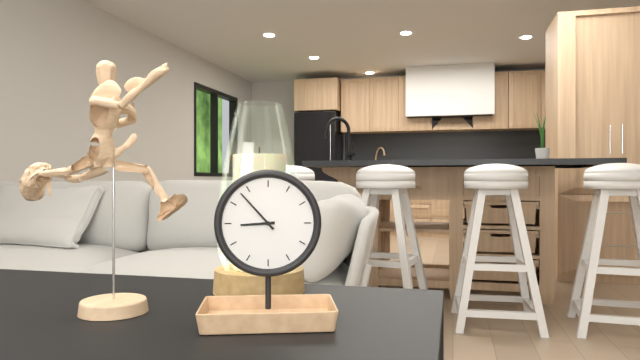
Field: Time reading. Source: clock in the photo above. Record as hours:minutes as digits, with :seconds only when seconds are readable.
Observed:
8:53
